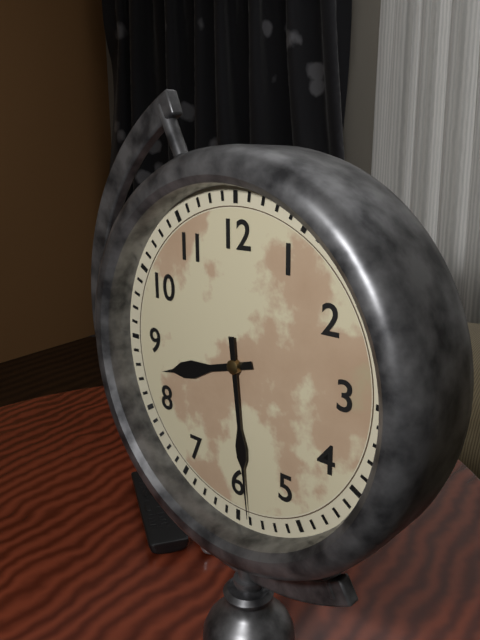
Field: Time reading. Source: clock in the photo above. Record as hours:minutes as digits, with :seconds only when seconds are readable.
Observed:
8:29
